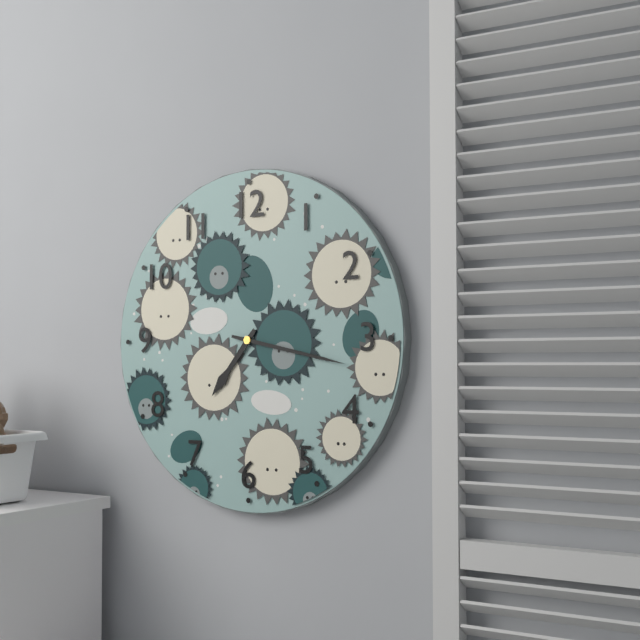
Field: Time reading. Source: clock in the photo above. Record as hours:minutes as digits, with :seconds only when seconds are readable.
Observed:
7:17
